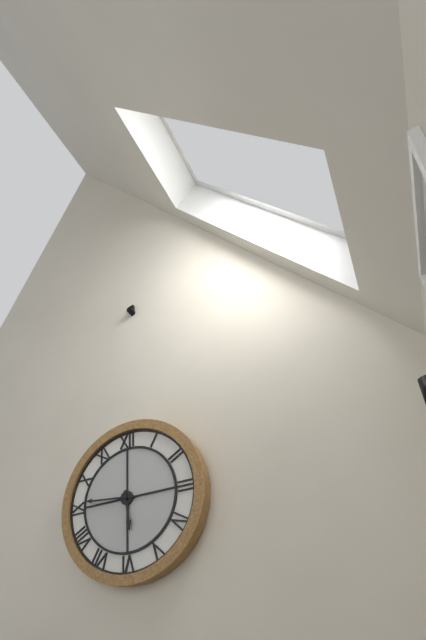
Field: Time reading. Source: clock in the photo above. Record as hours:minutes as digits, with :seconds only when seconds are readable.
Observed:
5:46
